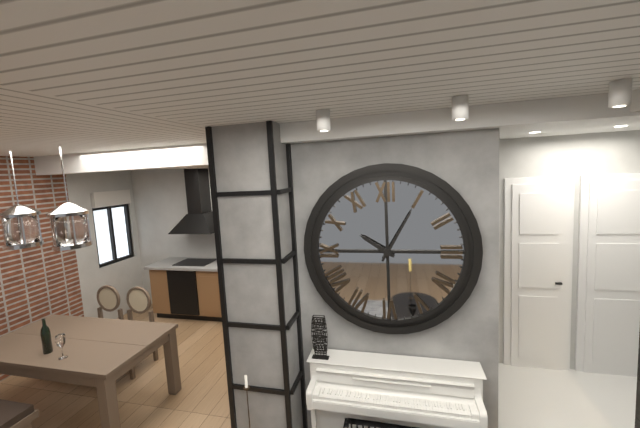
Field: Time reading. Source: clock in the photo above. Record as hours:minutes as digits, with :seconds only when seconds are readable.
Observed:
10:05
